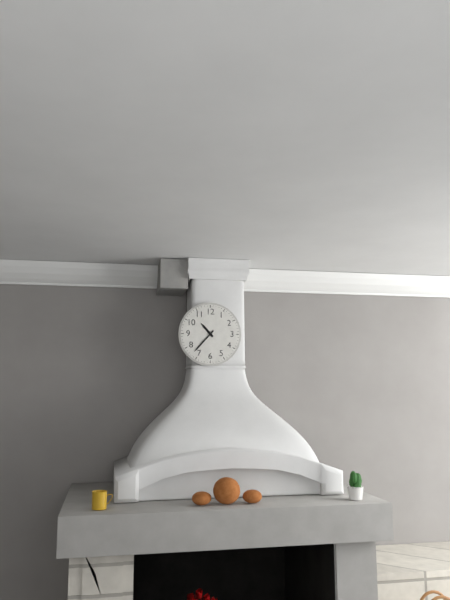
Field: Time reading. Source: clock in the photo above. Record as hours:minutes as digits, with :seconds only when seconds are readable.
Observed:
10:37
